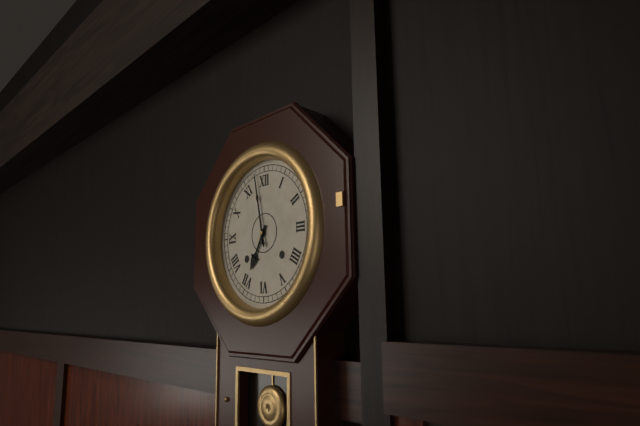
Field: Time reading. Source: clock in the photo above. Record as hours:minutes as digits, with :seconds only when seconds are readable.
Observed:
6:58
